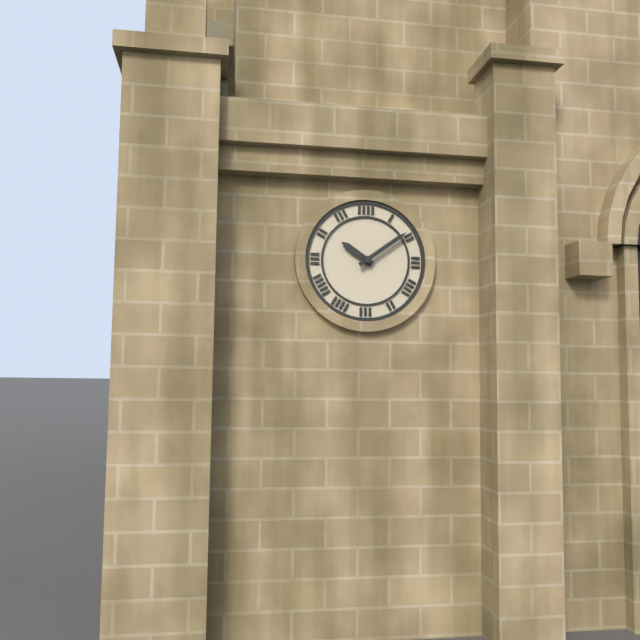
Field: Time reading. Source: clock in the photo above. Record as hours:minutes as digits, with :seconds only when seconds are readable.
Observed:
10:09
